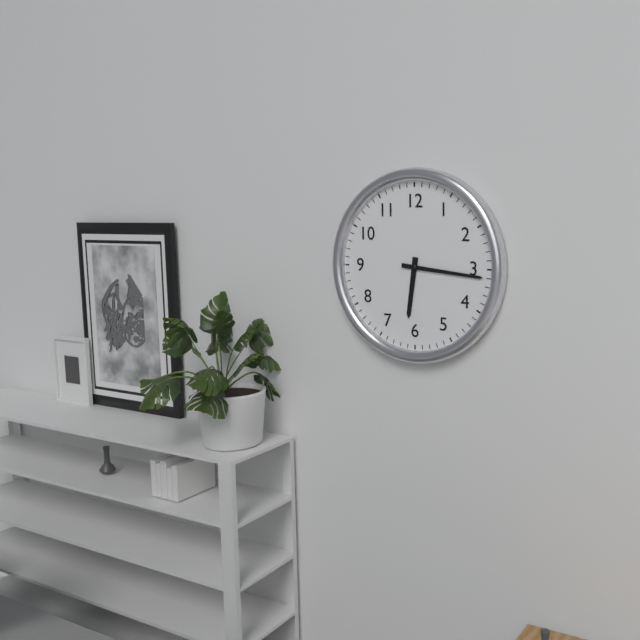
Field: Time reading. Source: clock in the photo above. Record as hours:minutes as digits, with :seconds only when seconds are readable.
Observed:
6:16
